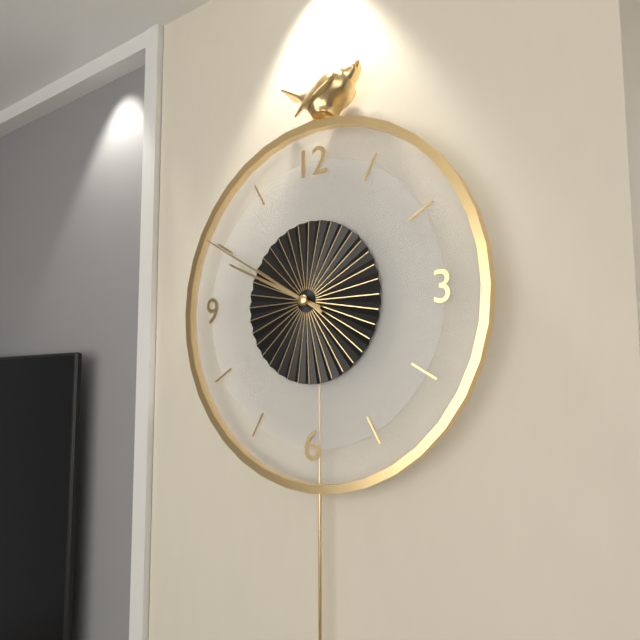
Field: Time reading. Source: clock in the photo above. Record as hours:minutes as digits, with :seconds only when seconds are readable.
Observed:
9:50
